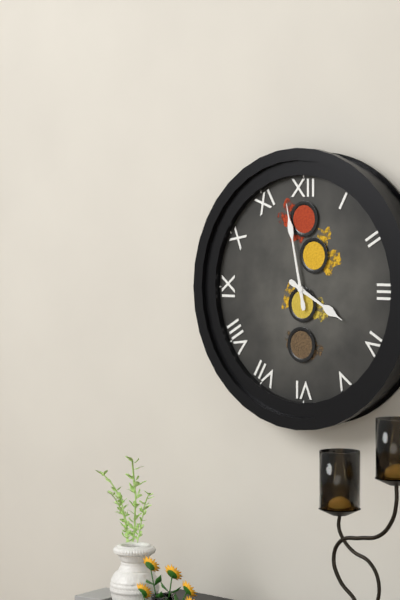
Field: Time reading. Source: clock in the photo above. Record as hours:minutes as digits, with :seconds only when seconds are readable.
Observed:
3:58
